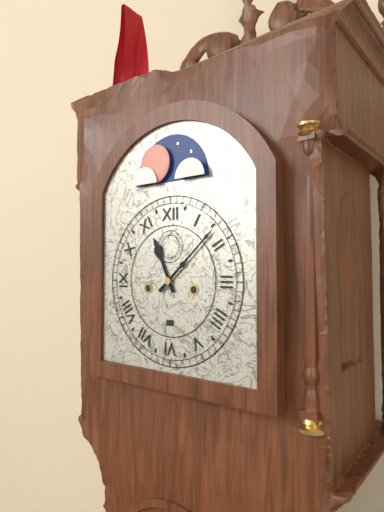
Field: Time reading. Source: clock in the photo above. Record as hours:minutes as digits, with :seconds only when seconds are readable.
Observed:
11:08
